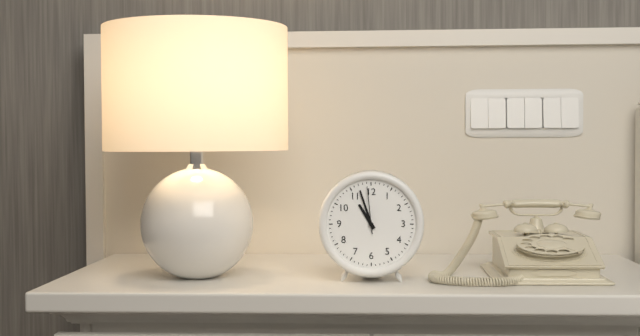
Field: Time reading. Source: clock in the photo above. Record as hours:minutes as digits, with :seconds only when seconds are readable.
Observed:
10:57
